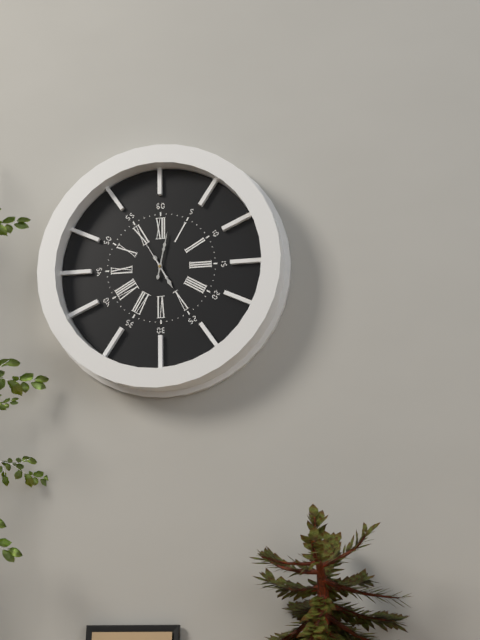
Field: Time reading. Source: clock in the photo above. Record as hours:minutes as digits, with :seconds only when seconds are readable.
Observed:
5:02
